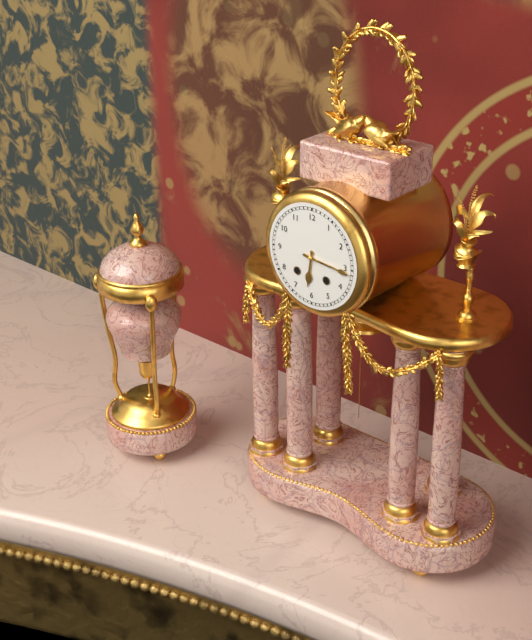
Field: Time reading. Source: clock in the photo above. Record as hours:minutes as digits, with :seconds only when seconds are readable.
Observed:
6:16
